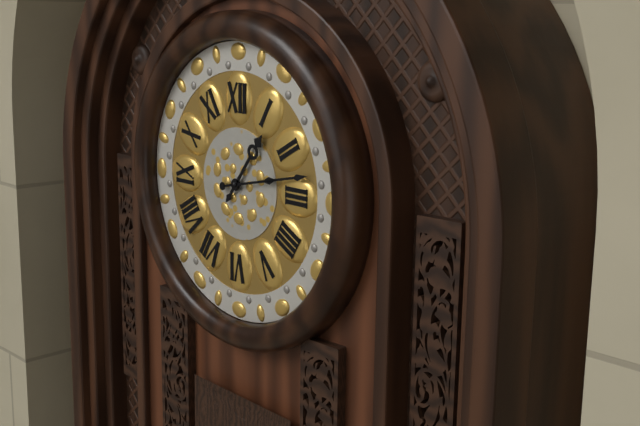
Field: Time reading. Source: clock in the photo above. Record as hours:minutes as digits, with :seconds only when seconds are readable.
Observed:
1:13
